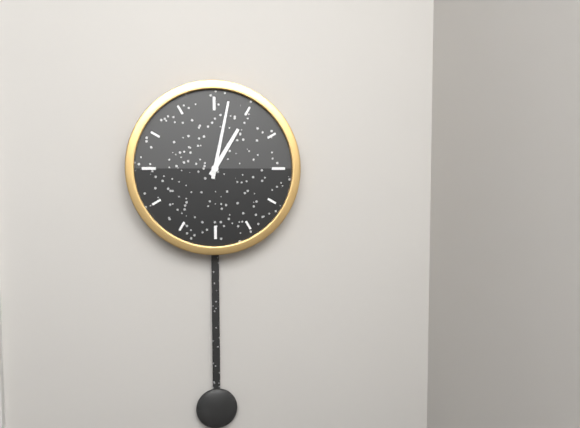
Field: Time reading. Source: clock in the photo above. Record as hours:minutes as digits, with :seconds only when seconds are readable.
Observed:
1:02
